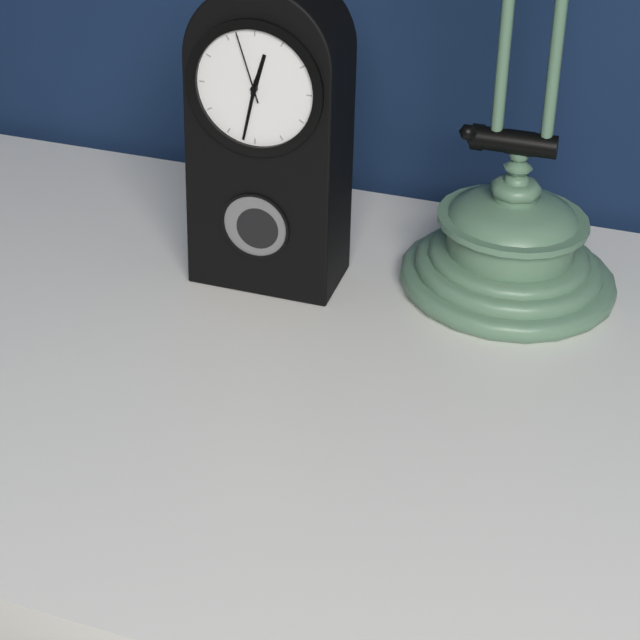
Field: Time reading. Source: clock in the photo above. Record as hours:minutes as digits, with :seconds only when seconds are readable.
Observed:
12:32:57
